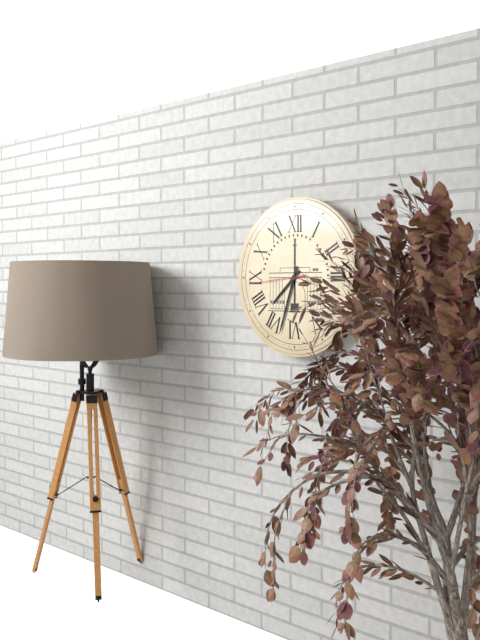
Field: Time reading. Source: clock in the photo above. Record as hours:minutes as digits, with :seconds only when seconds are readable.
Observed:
7:33:44
